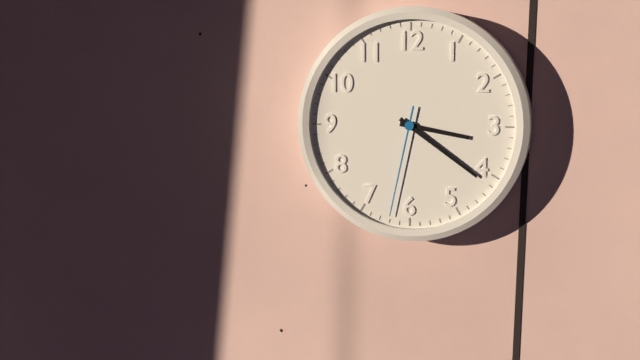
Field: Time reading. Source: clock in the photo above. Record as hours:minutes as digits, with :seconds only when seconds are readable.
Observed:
3:21:32
